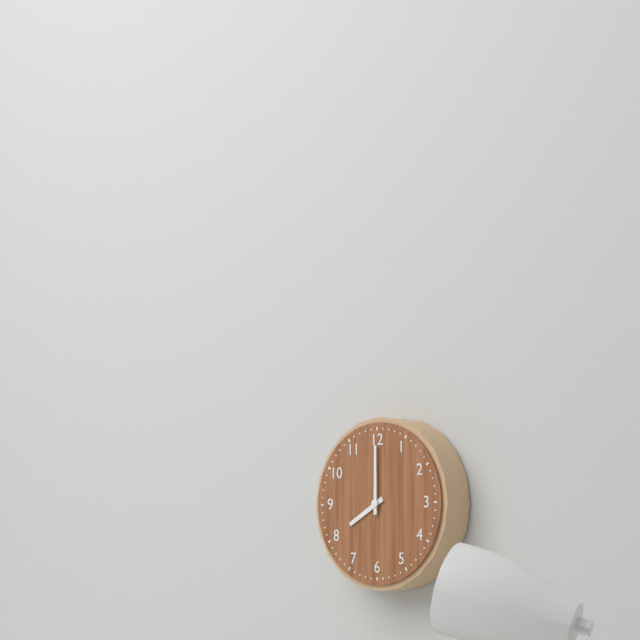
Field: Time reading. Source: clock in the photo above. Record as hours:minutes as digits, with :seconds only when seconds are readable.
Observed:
8:00
